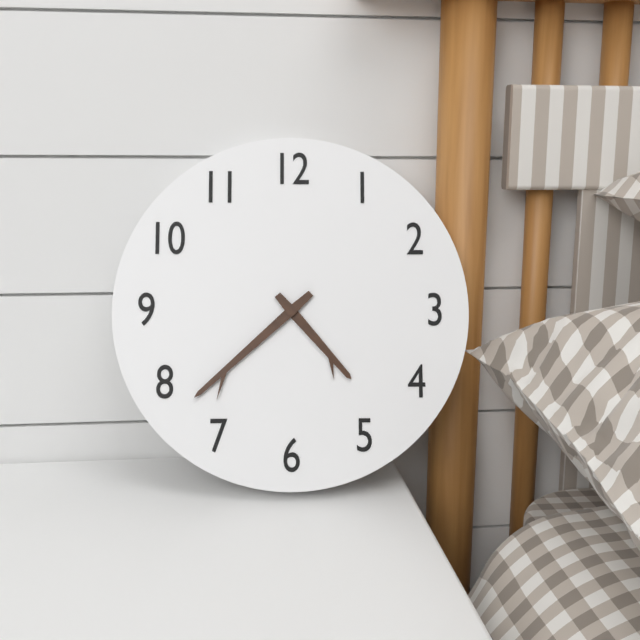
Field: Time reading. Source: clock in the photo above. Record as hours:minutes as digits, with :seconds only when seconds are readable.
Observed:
4:38
